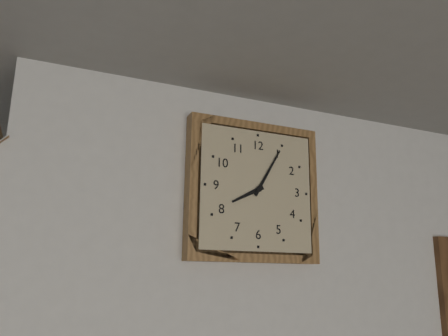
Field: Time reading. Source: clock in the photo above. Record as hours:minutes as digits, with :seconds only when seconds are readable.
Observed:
8:05
